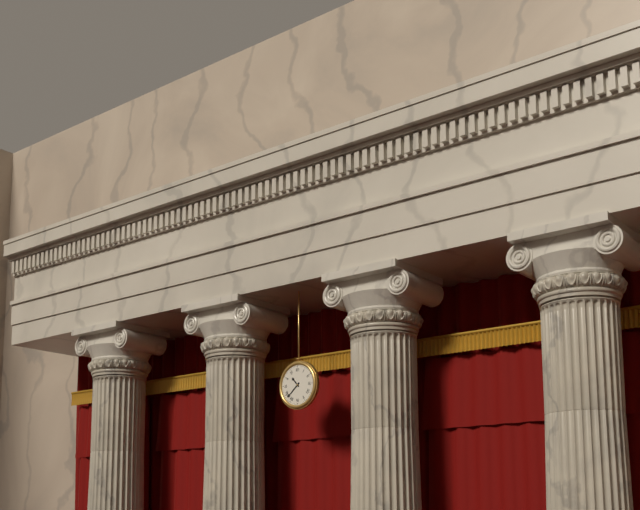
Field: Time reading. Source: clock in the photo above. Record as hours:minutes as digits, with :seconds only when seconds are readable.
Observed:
10:38
